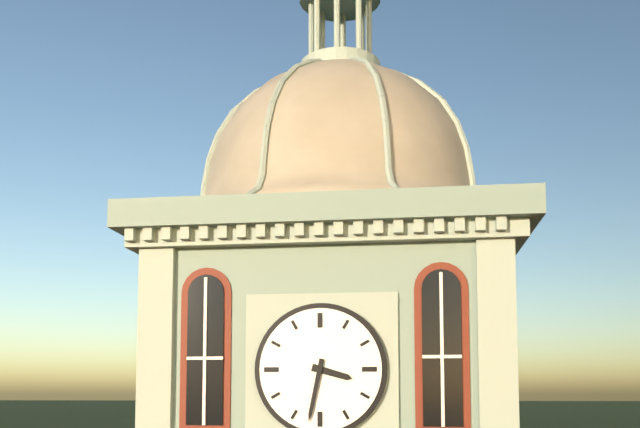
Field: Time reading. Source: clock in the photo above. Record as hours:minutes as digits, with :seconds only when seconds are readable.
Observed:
3:32
